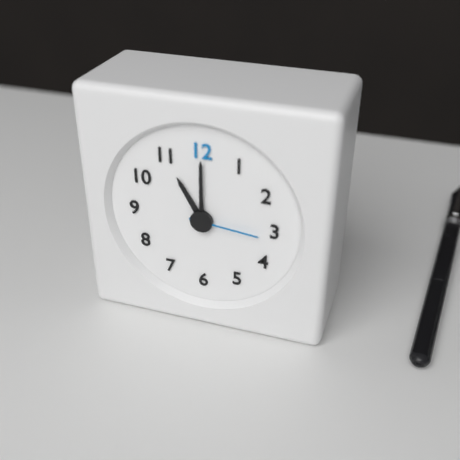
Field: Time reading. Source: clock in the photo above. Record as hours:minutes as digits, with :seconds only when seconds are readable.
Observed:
11:00:16
